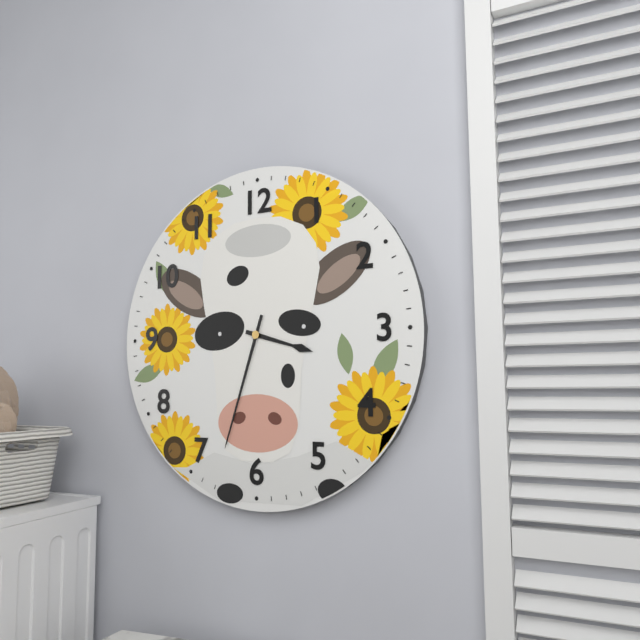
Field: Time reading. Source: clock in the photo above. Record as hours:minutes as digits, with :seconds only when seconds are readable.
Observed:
3:33
